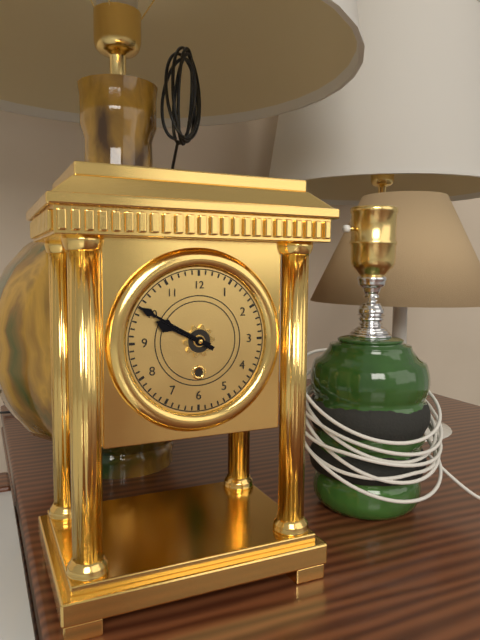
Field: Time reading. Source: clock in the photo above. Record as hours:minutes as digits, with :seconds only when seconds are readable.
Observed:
9:50
